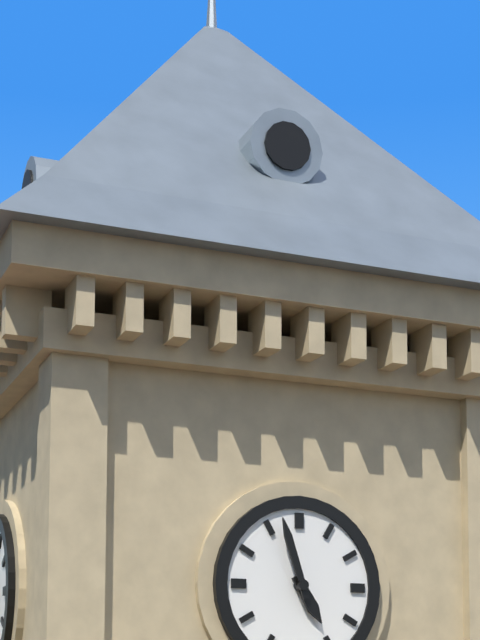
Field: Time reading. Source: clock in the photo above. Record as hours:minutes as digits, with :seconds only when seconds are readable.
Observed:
4:57
